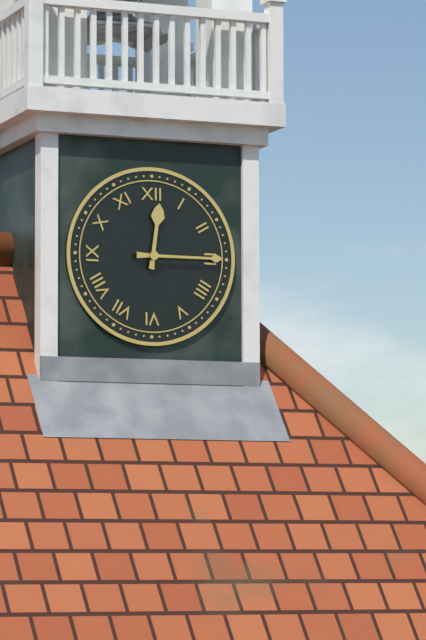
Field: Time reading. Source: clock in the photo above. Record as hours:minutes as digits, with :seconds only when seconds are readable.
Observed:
12:15
